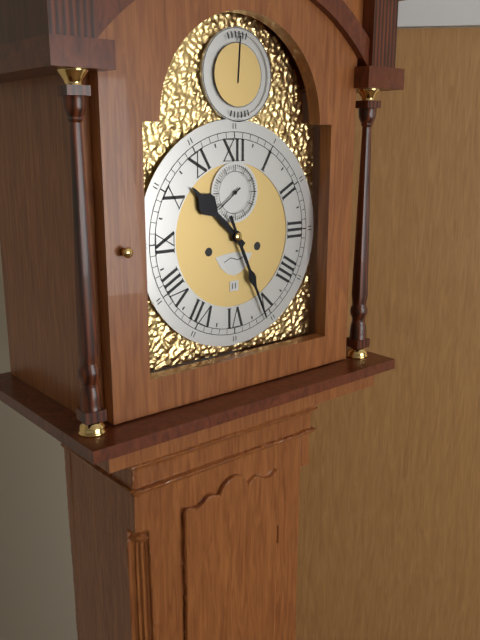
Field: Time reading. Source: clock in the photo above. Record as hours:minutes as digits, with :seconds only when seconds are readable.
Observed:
10:26
